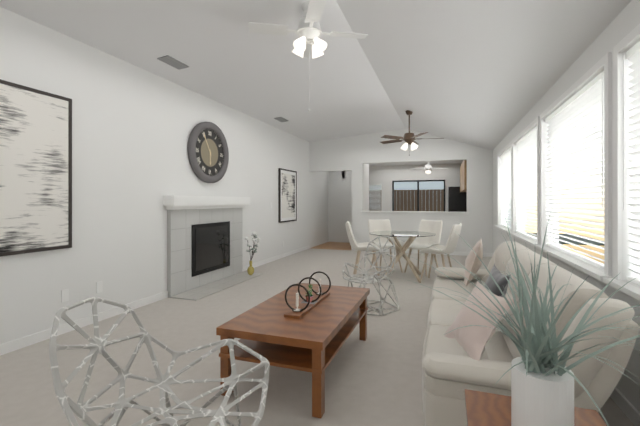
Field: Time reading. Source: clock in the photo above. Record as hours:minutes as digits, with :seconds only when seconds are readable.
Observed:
5:55
